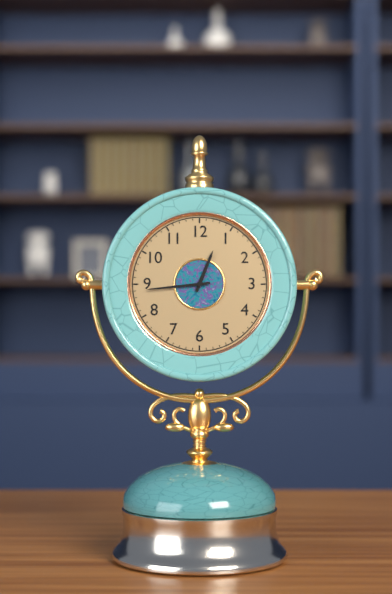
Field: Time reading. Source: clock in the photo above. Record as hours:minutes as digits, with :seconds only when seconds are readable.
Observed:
12:44
